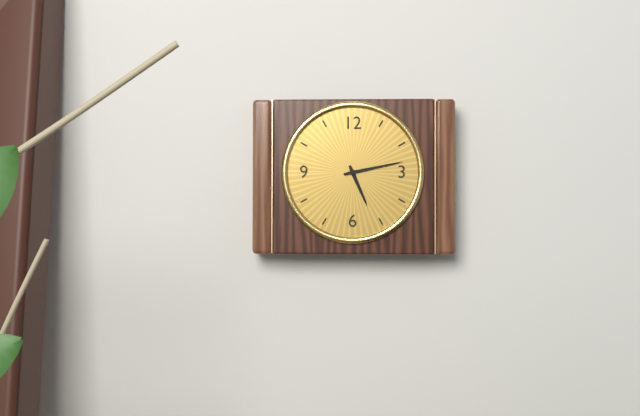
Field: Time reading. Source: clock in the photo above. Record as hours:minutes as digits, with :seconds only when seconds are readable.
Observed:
5:13
